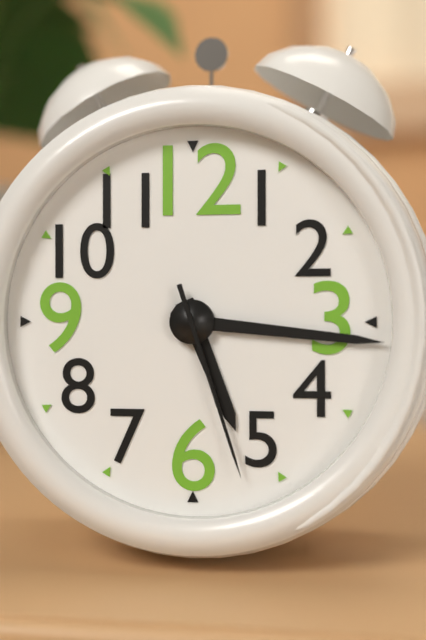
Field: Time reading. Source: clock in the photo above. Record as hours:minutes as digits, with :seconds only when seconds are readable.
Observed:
5:16:27
